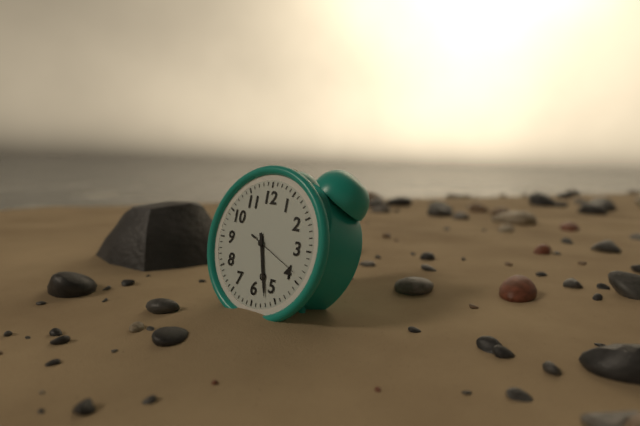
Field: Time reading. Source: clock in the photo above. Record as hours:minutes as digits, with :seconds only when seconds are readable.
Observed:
5:27:19
